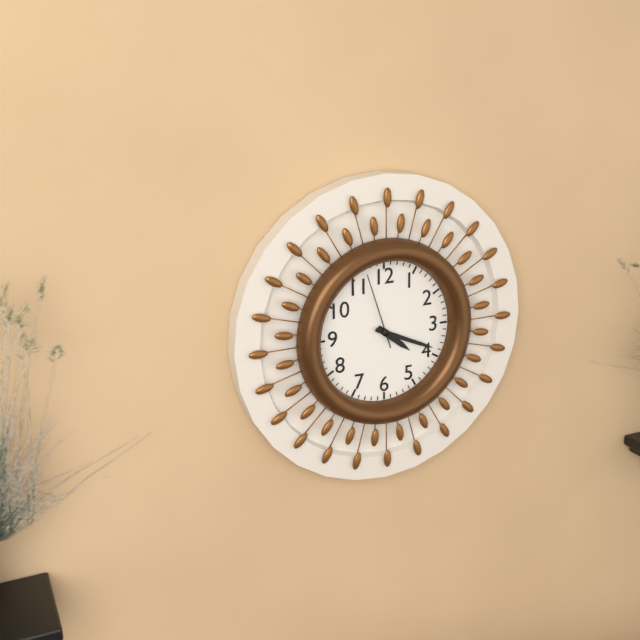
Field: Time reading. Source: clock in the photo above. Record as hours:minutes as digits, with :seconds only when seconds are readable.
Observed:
4:19:57
